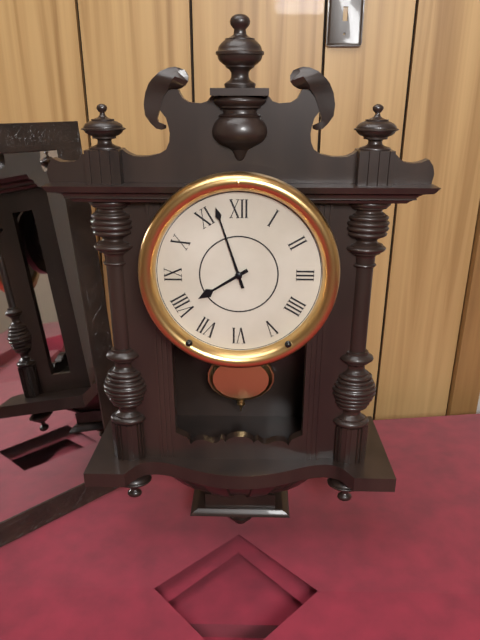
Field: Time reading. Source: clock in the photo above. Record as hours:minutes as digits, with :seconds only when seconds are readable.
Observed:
7:57
